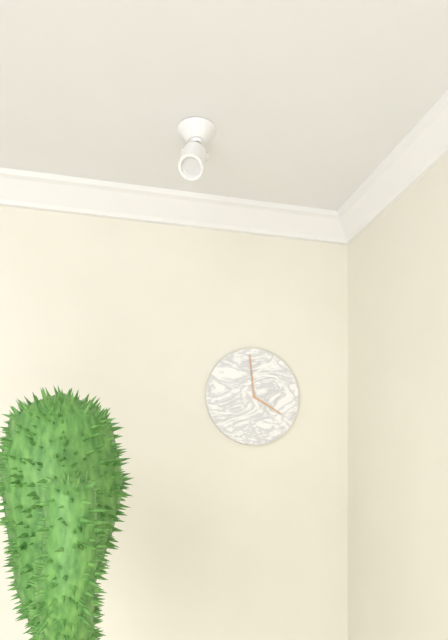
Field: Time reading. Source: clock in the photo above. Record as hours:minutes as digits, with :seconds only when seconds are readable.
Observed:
3:59
